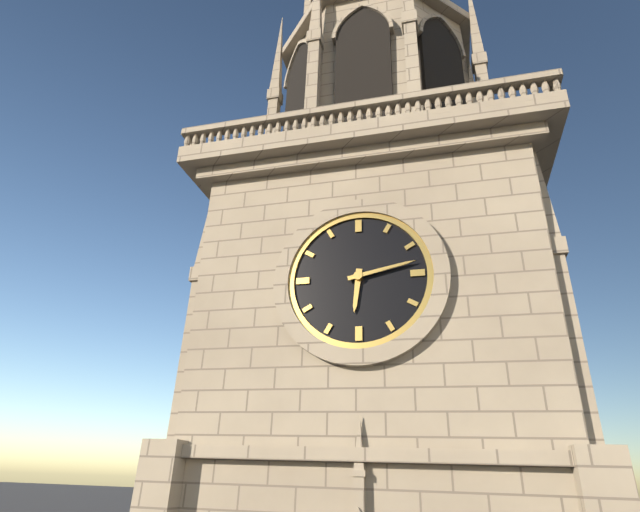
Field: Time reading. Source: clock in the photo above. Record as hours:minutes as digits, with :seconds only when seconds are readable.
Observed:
6:13
